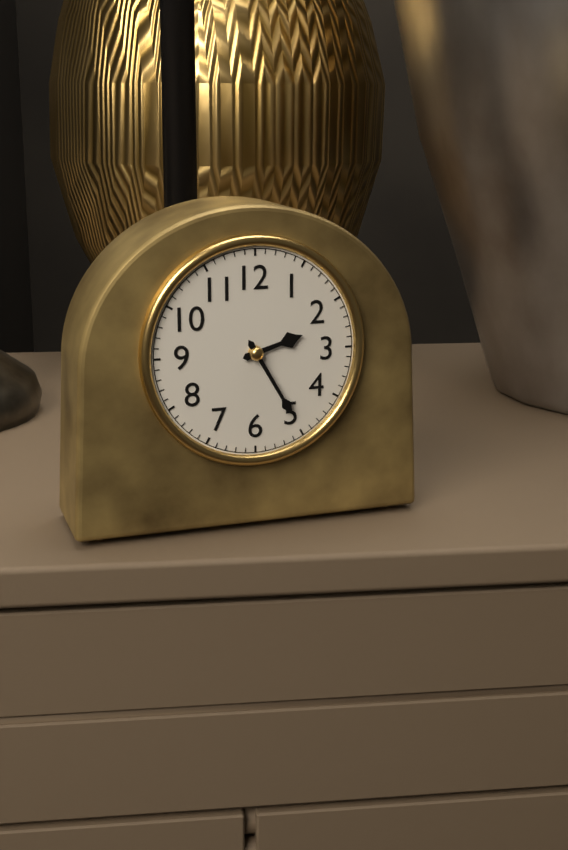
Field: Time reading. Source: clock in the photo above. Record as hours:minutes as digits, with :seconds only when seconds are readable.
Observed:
2:25
